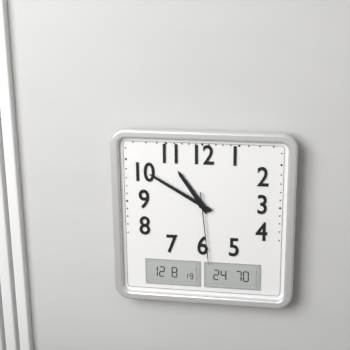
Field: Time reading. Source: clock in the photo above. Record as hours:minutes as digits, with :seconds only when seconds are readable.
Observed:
10:50:29
